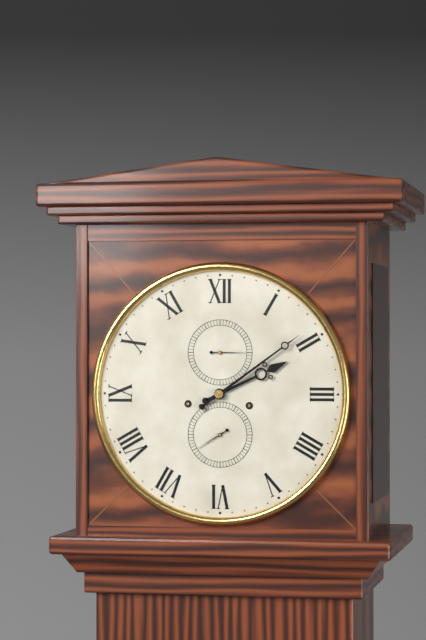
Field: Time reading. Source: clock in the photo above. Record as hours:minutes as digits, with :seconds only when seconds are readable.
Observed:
2:09
